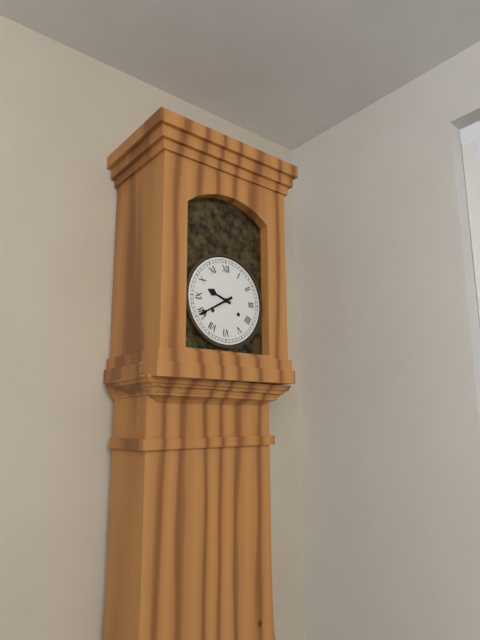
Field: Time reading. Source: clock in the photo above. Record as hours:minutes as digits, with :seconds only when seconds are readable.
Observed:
9:40
